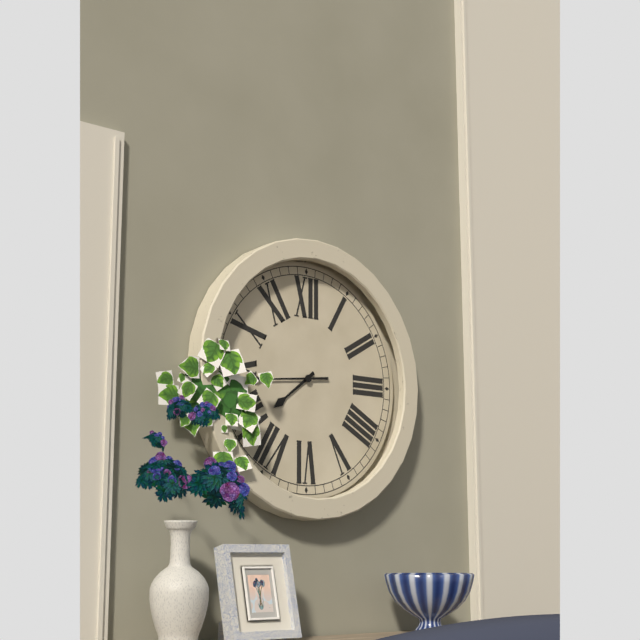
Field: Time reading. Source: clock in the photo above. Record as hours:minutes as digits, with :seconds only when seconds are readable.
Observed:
7:44
